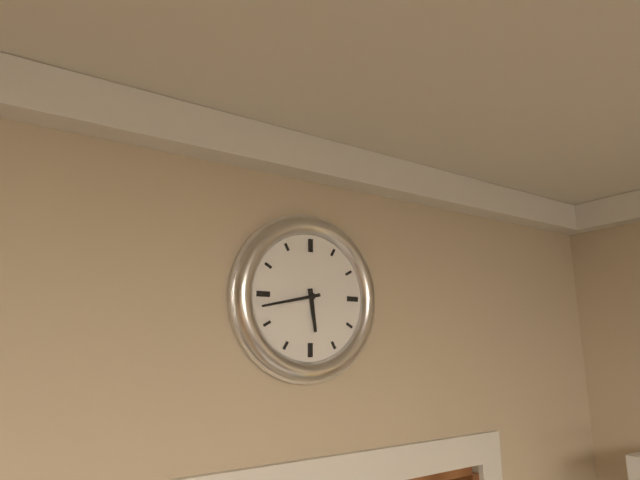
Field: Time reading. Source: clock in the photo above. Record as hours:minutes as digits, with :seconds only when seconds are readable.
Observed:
5:43
